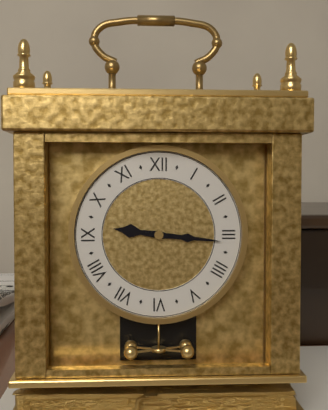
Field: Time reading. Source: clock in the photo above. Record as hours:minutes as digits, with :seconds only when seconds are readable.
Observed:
9:16
